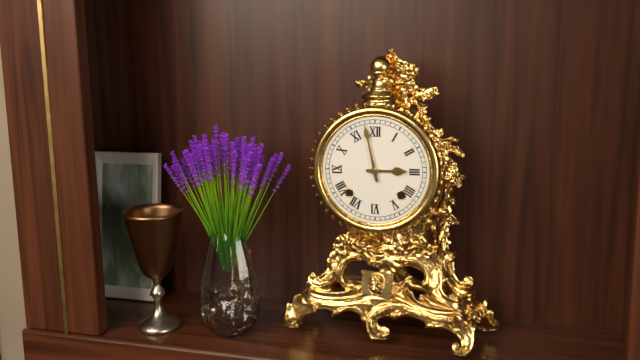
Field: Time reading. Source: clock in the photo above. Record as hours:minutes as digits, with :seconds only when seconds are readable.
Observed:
2:58
